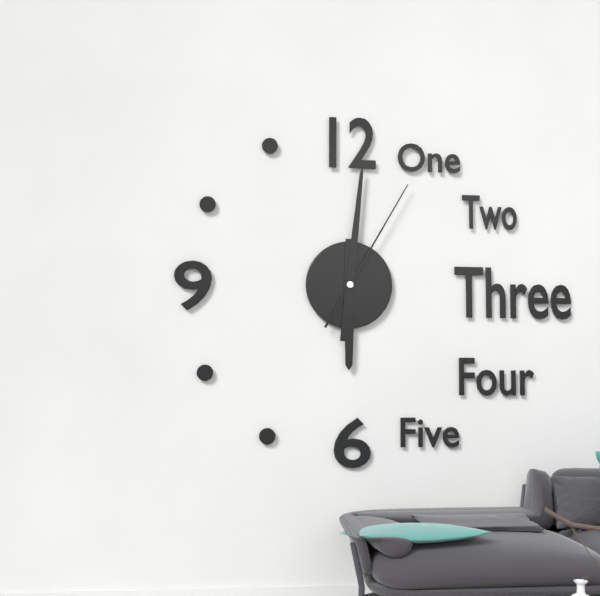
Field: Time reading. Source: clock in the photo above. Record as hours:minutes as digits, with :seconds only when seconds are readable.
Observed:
6:01:05
